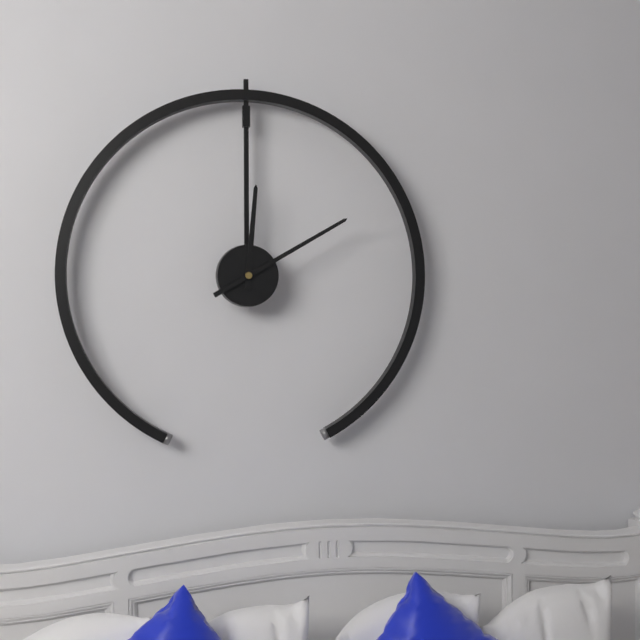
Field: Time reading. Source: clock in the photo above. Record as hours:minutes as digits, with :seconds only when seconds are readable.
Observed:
12:10
